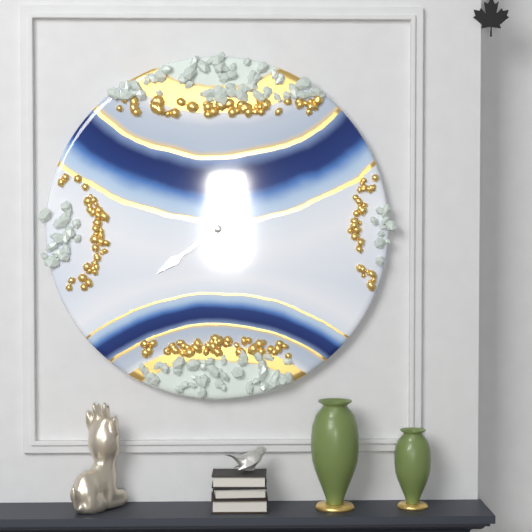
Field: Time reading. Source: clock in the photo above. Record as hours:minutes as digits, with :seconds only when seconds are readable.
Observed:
12:39
